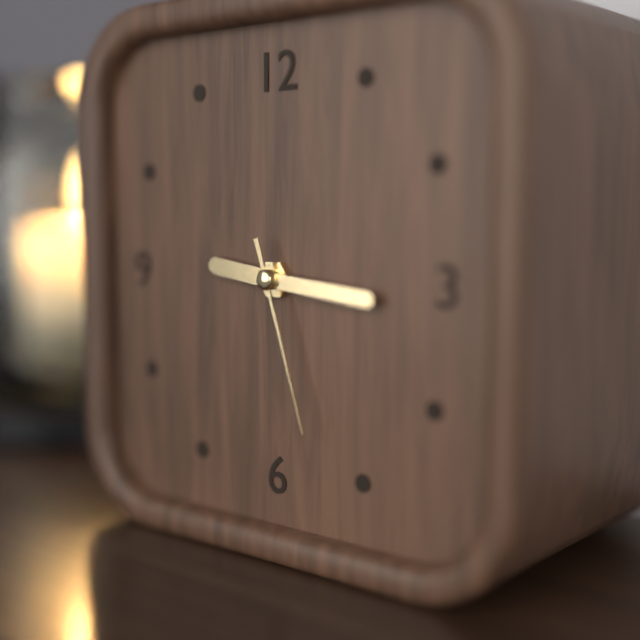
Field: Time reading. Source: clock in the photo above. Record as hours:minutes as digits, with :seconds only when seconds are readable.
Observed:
9:16:27
